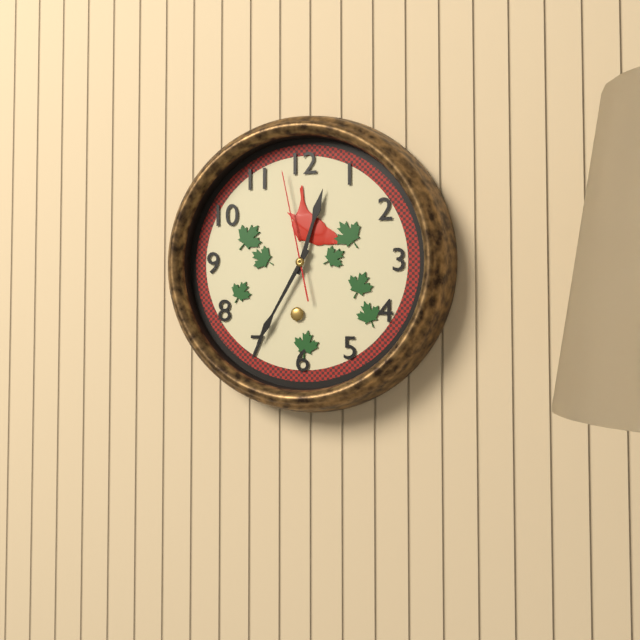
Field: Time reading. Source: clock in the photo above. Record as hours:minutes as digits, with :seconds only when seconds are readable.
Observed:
12:35:58
